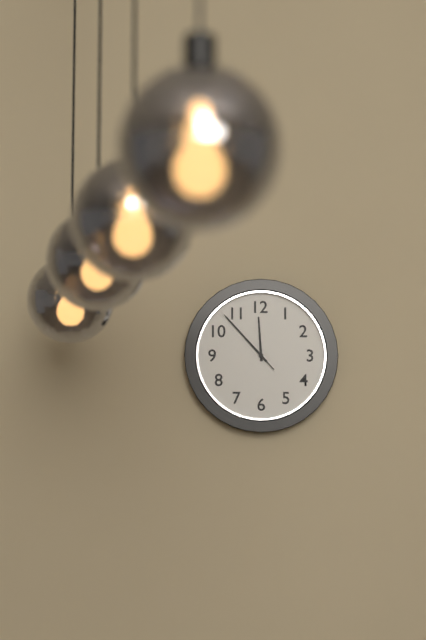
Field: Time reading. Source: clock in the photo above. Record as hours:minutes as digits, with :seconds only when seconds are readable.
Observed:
11:53:53
